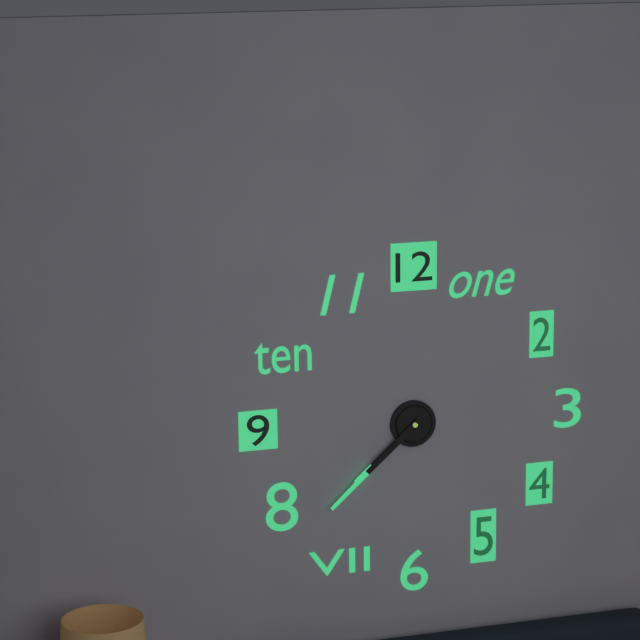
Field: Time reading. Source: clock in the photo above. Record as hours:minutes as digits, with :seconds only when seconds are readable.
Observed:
7:38
